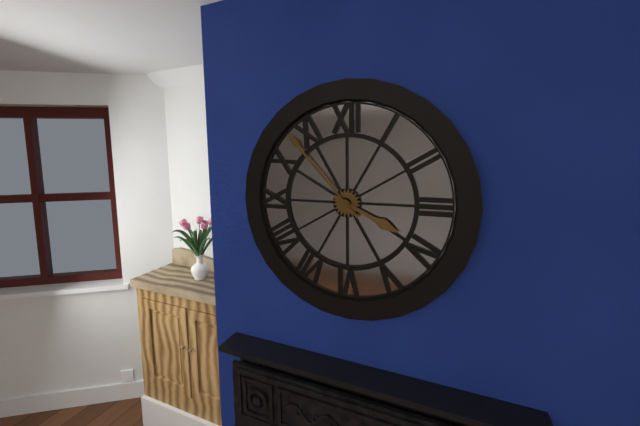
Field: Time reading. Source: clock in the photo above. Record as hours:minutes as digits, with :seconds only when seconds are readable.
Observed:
3:53
